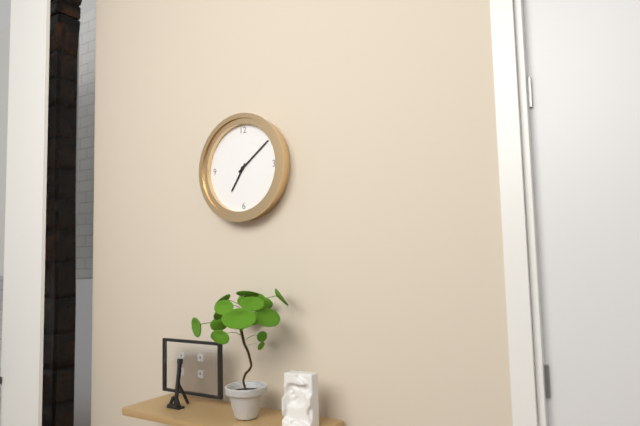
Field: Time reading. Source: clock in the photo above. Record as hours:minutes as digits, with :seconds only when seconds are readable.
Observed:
7:09
